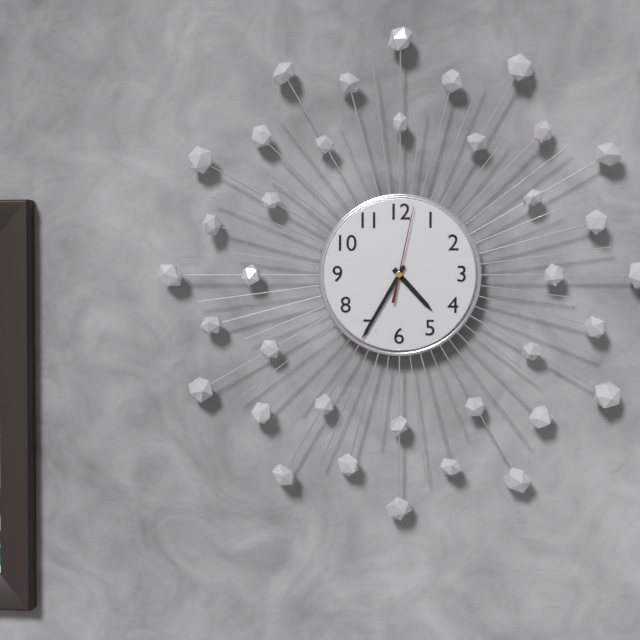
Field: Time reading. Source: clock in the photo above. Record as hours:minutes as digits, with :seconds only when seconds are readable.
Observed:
4:35:02
